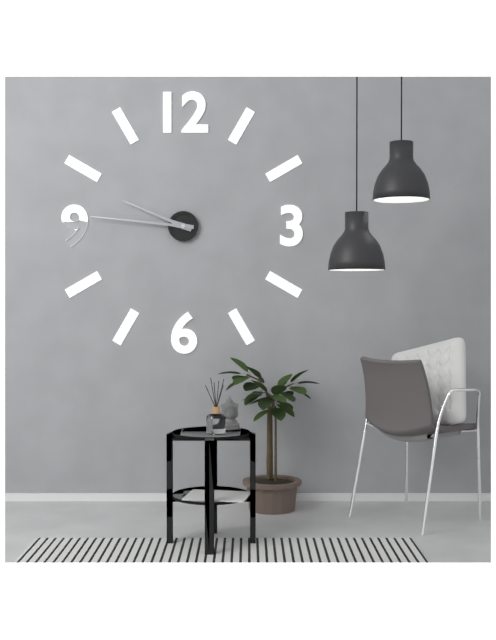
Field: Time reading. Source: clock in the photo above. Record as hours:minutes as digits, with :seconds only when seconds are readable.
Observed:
9:46
